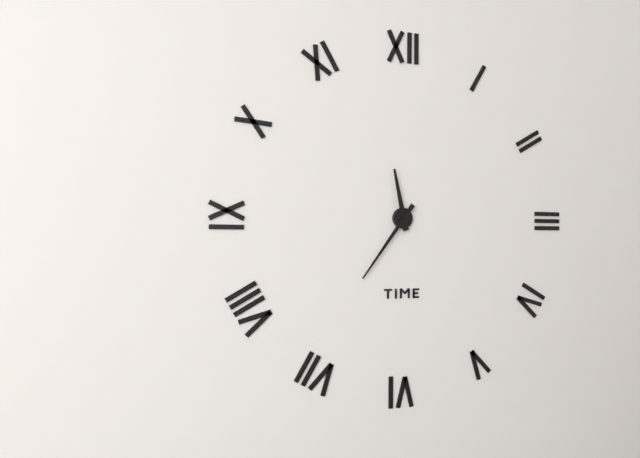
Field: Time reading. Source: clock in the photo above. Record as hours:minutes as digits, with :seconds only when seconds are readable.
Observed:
11:36
